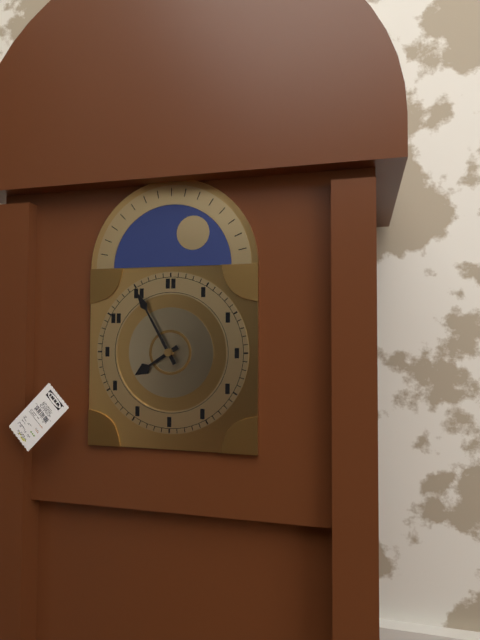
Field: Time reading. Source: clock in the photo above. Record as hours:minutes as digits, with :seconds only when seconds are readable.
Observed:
7:55
